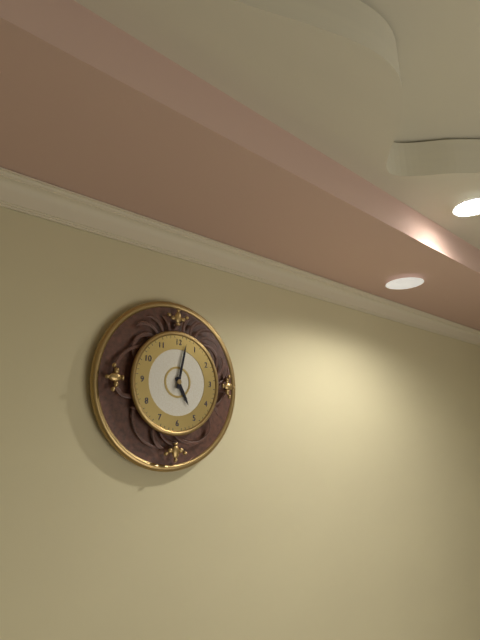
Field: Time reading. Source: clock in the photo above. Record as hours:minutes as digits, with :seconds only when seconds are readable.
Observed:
5:02
